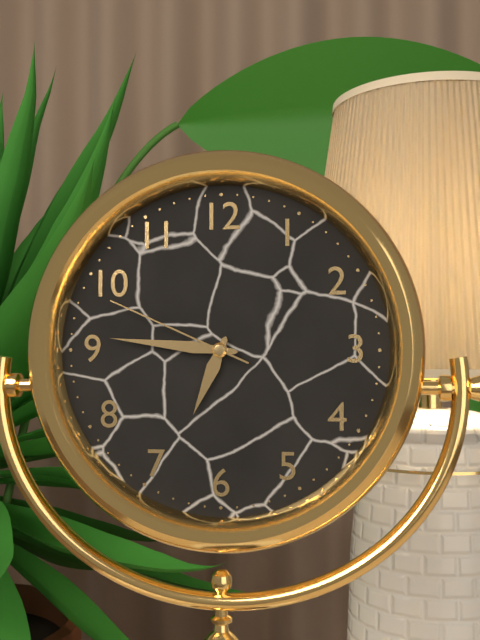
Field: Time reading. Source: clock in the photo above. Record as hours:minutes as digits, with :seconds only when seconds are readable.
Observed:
6:46:49
